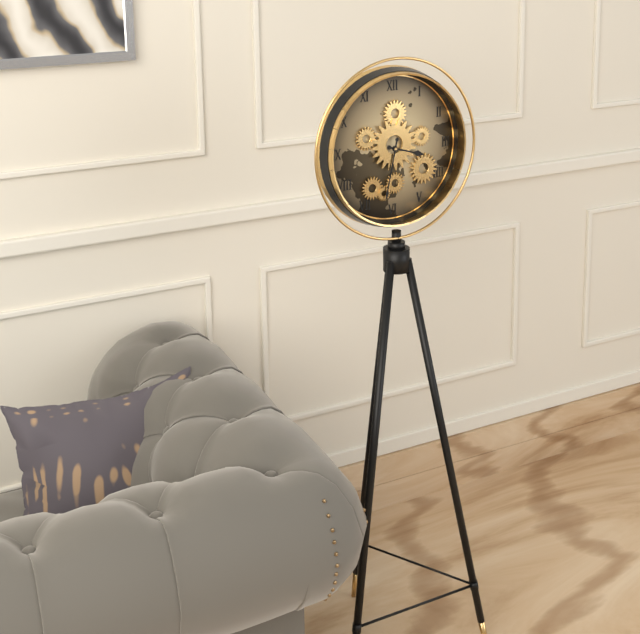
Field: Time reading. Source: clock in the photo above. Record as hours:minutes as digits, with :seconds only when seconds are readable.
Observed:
3:32
